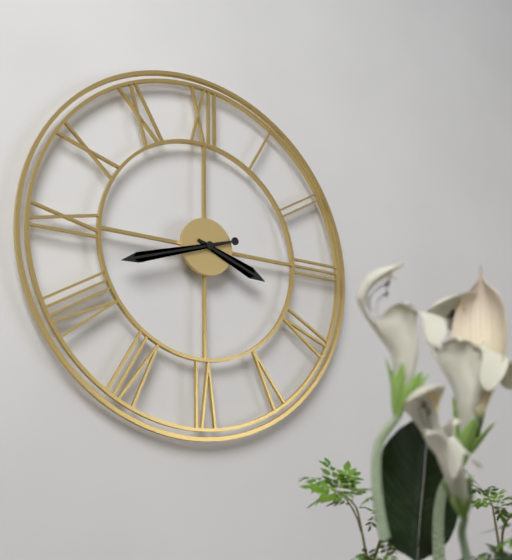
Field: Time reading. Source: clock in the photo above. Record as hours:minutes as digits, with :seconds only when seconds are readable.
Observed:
3:42
